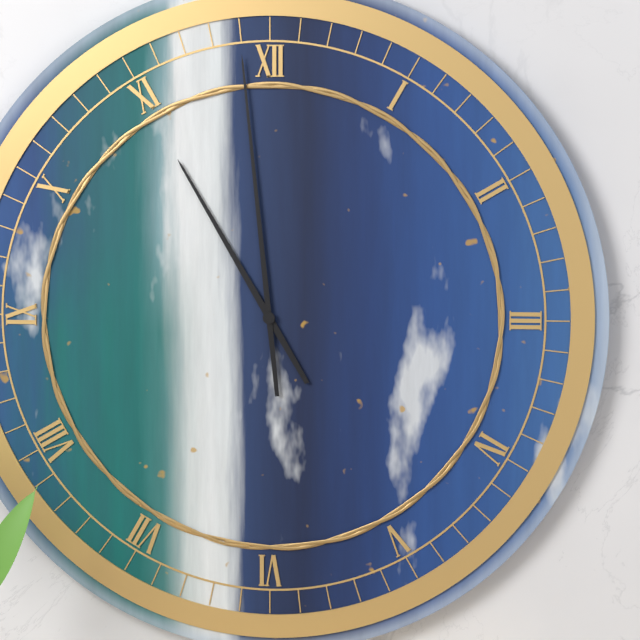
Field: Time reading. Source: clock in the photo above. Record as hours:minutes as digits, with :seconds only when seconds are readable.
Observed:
10:59
